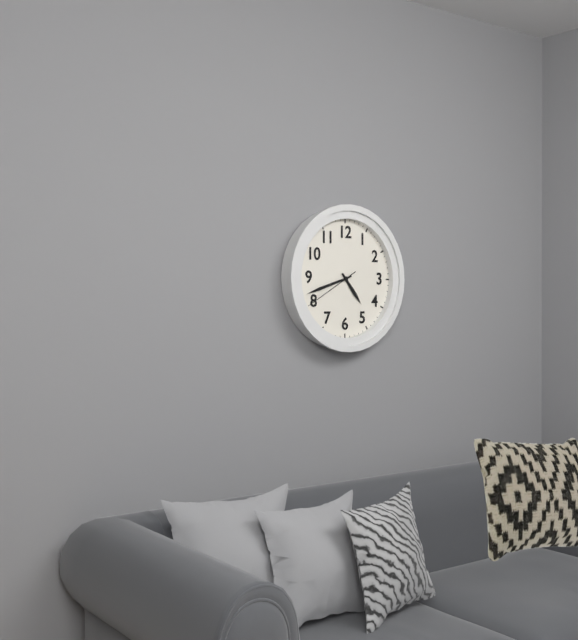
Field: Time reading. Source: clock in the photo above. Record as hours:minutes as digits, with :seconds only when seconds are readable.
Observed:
4:42:40
